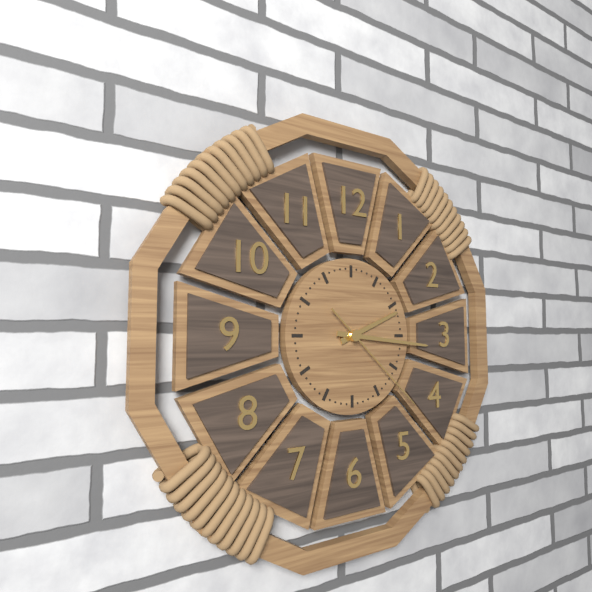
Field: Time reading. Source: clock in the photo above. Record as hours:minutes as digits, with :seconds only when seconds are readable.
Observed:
2:16:22
